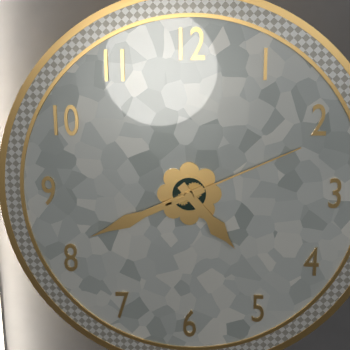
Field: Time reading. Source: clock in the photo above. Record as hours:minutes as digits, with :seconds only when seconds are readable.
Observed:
4:41:11
